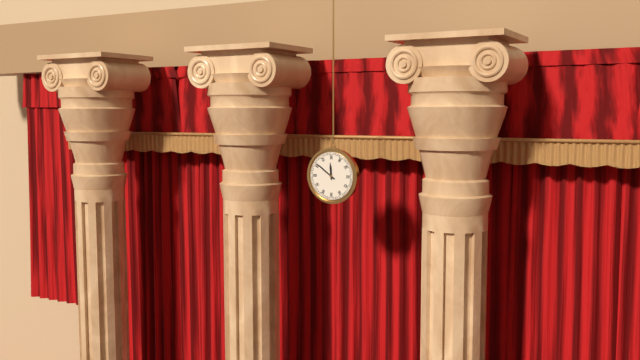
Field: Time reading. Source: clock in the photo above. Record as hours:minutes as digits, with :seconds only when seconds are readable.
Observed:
11:51
